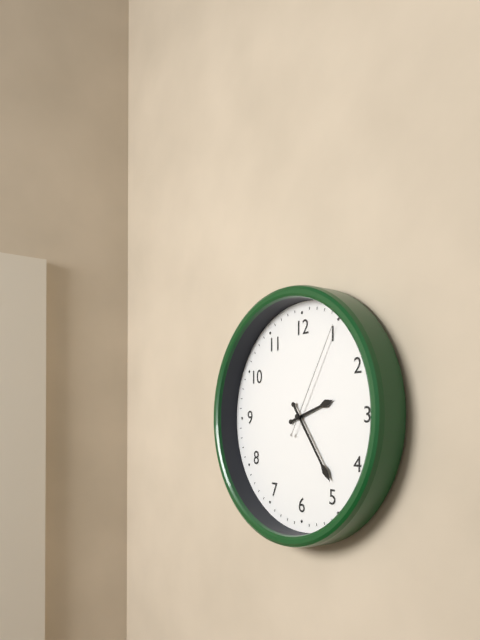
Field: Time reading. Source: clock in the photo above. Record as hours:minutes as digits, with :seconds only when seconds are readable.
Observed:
2:24:05
